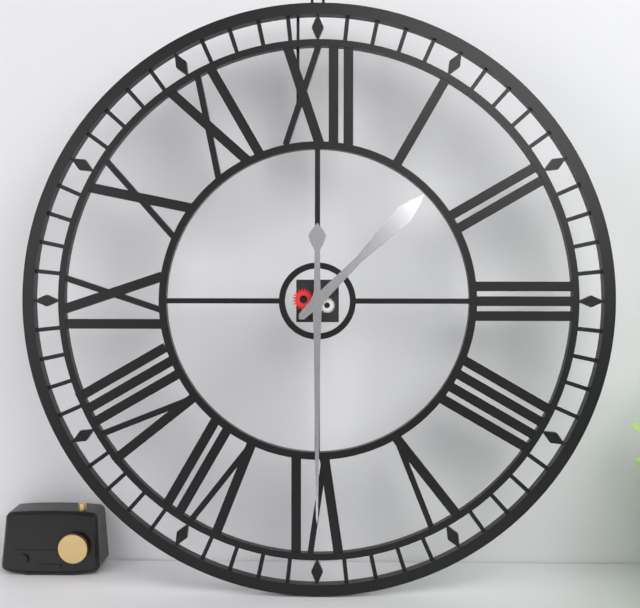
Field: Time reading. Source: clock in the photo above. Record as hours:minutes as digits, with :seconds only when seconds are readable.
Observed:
1:30
